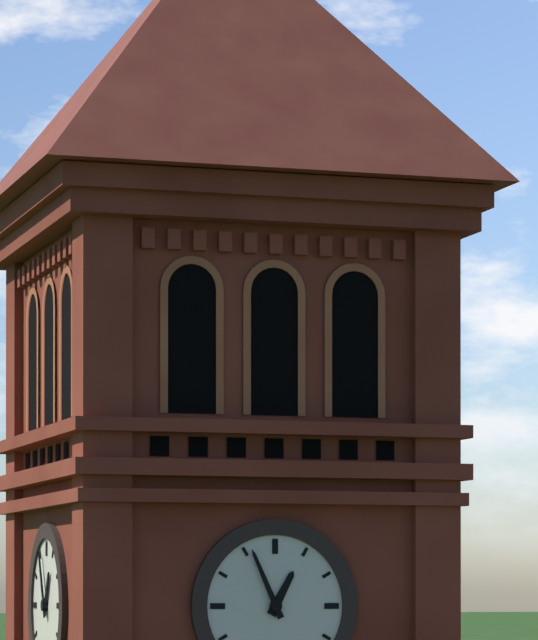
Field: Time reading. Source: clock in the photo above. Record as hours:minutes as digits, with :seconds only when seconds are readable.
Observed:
12:56
